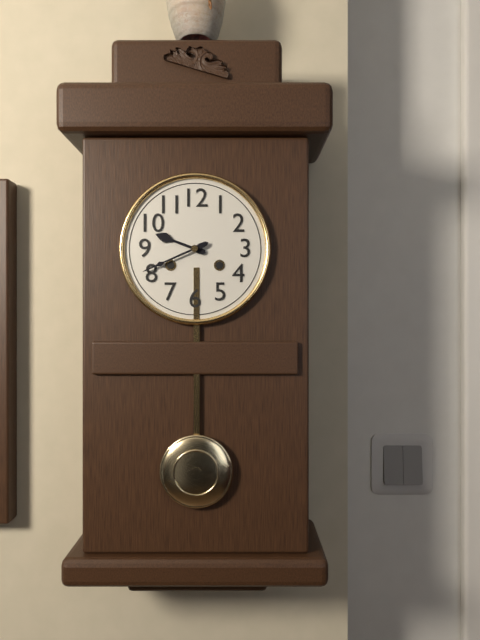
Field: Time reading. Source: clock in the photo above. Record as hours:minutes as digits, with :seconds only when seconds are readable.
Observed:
9:41
